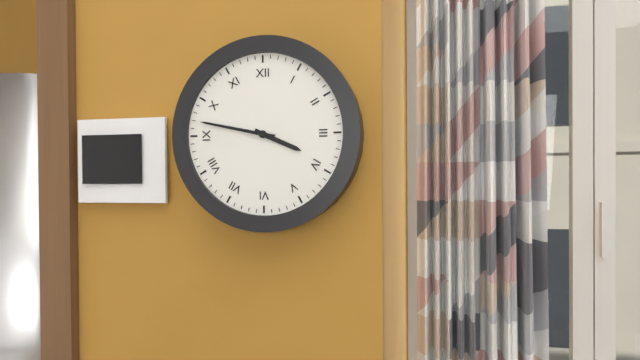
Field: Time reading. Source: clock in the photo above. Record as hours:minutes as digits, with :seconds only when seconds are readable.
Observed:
3:47
